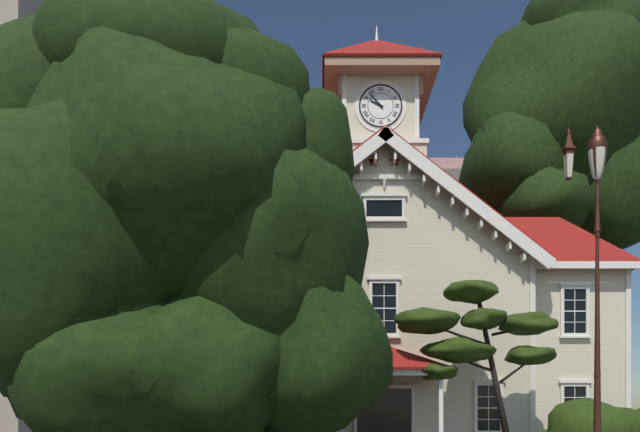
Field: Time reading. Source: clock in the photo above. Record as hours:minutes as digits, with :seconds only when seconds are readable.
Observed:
9:53
